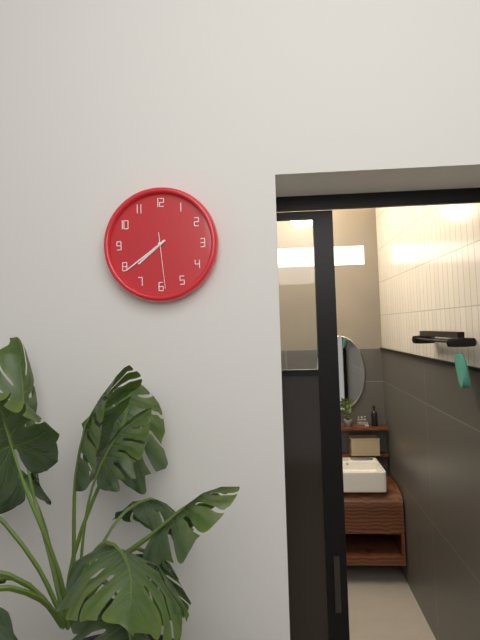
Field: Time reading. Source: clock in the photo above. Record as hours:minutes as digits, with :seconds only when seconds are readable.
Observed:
7:39:29
